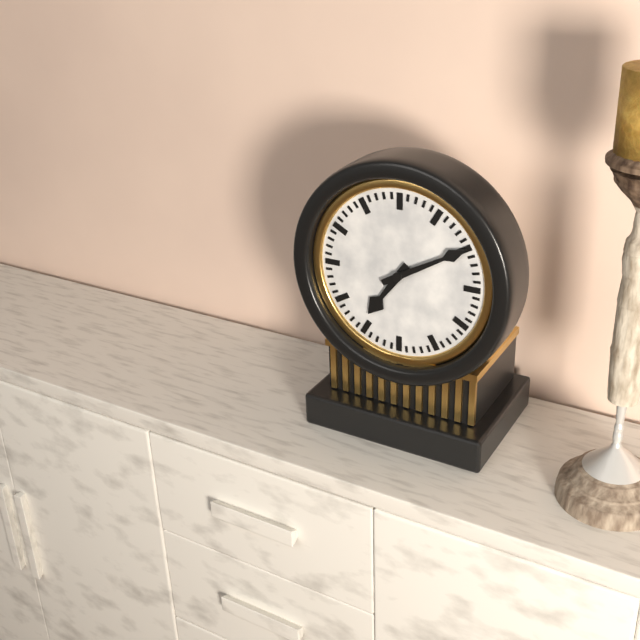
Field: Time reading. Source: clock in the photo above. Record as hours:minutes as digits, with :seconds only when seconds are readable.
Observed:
7:10
